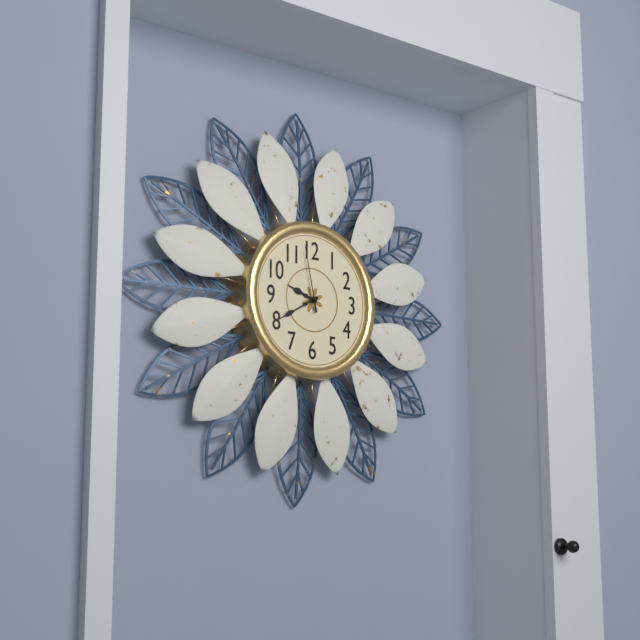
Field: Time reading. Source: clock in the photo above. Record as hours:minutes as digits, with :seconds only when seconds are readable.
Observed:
9:40:58
